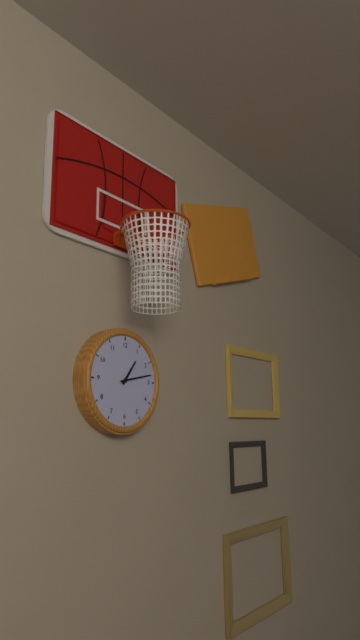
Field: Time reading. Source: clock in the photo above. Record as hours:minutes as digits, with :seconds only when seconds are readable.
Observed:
1:13
